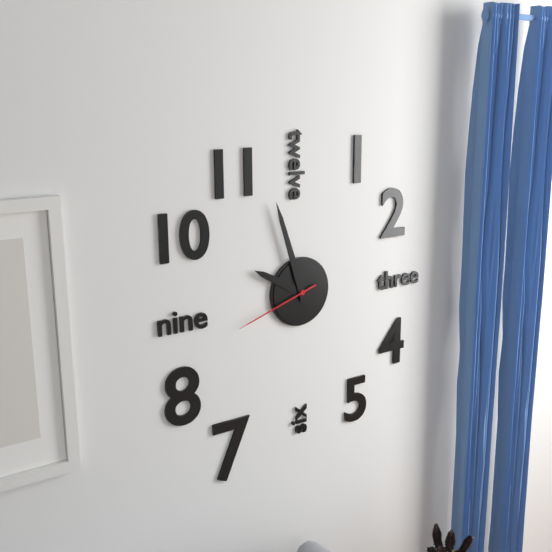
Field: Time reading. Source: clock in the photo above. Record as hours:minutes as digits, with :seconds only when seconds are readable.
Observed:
9:57:42
